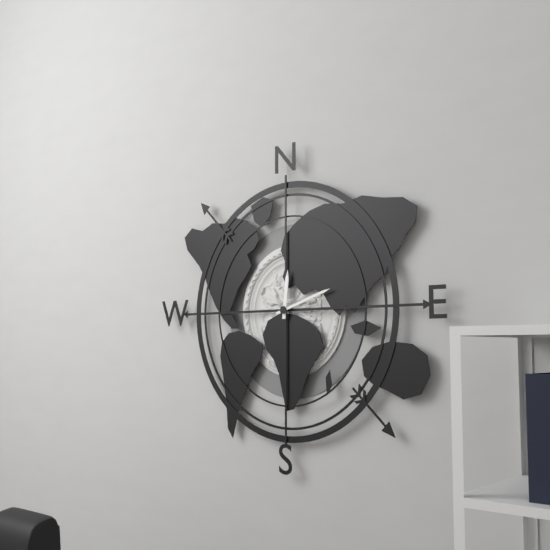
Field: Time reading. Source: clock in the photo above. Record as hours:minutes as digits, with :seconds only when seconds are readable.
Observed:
12:12
